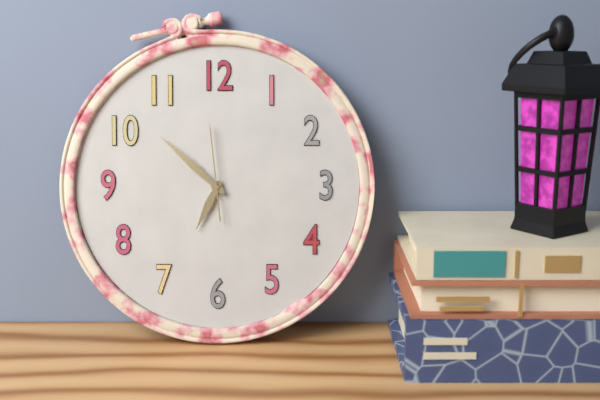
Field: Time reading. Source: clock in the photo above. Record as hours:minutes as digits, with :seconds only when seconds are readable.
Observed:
6:52:59
